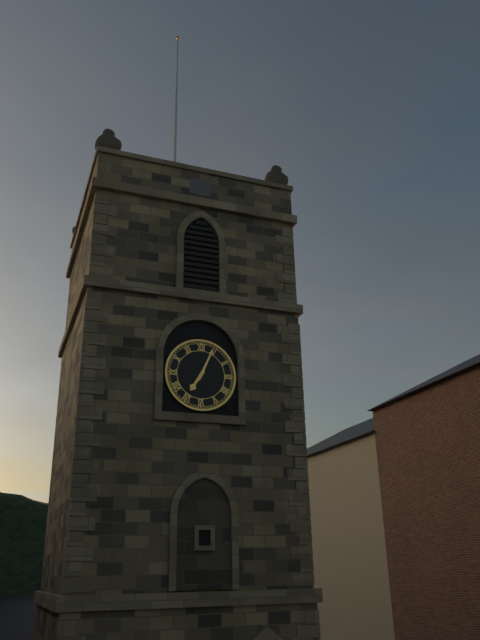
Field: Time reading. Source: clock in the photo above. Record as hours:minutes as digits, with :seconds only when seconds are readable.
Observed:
7:04
